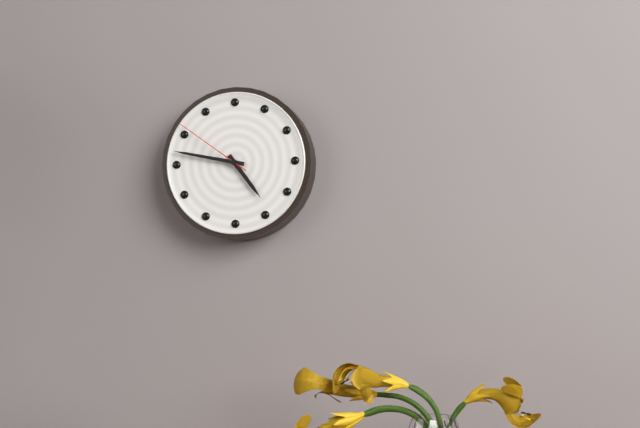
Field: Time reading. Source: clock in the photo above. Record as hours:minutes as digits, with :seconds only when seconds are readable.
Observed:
4:47:51
